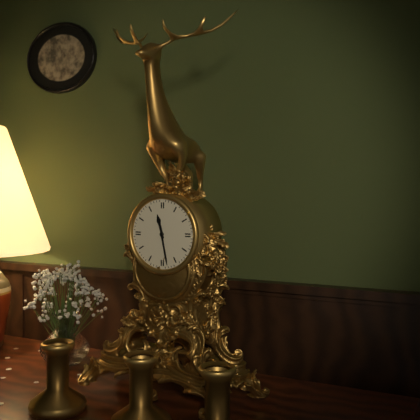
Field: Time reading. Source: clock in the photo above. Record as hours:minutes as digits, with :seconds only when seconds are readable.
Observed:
11:28
